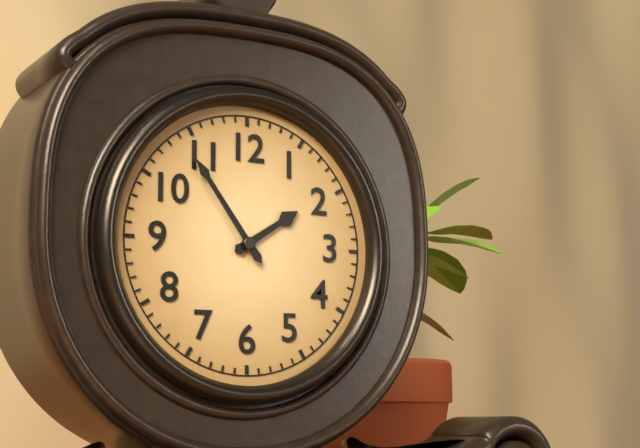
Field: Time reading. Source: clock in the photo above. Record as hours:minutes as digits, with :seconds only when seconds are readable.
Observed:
1:54
